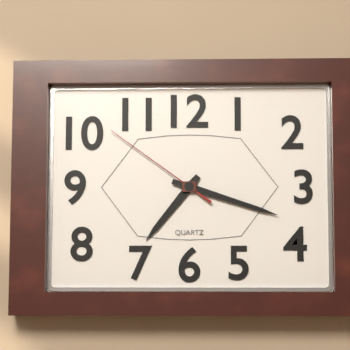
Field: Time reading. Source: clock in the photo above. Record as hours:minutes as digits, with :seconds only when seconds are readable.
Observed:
7:18:51
